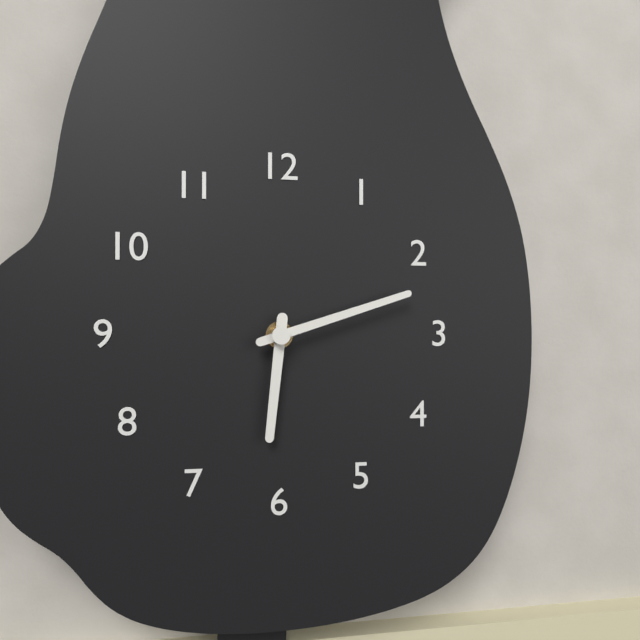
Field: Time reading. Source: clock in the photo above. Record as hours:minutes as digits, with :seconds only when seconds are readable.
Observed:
6:12
